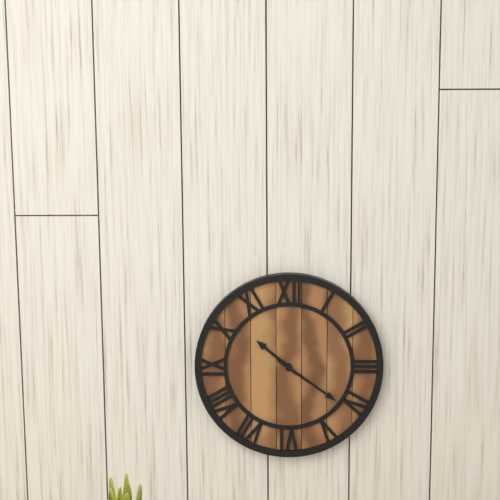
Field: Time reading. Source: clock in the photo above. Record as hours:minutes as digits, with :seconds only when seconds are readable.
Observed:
10:21
